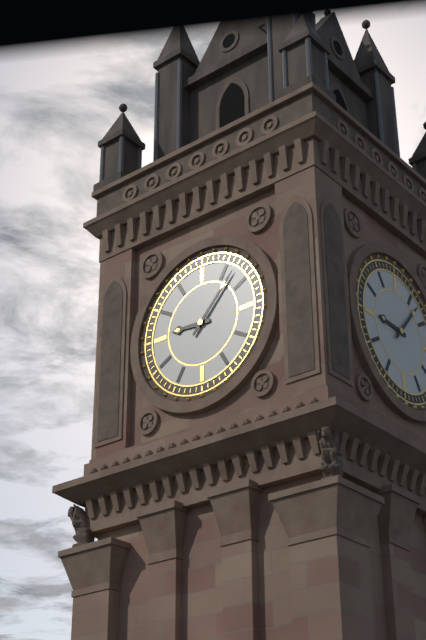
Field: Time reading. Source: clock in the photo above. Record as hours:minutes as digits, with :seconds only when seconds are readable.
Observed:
9:07
